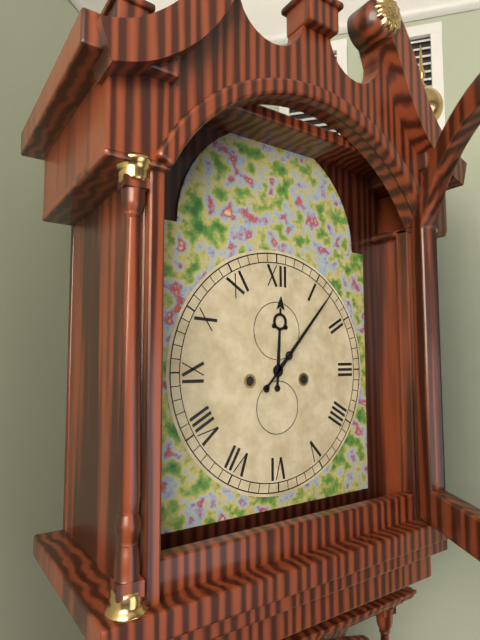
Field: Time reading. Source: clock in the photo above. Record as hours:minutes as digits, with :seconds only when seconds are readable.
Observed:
12:07
